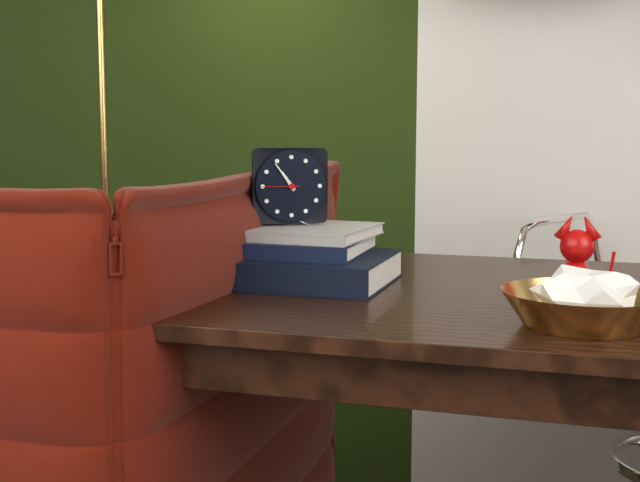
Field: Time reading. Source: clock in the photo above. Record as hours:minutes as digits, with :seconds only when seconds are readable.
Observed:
10:54
